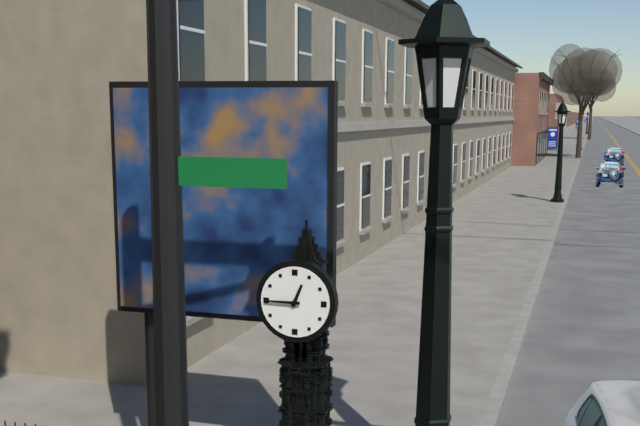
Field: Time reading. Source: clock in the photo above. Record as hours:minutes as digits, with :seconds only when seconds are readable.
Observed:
12:45
